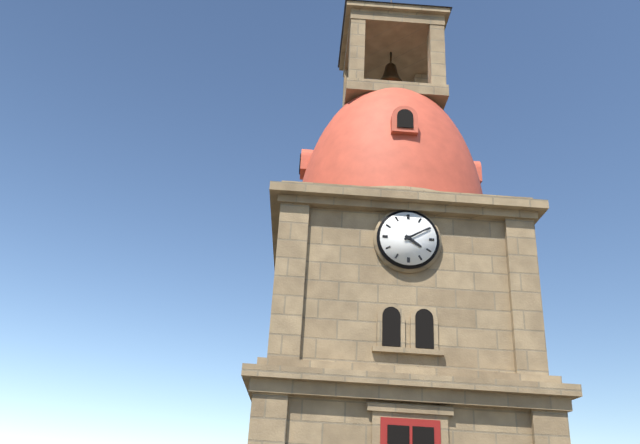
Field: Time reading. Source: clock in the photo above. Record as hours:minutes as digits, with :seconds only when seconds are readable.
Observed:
4:10
